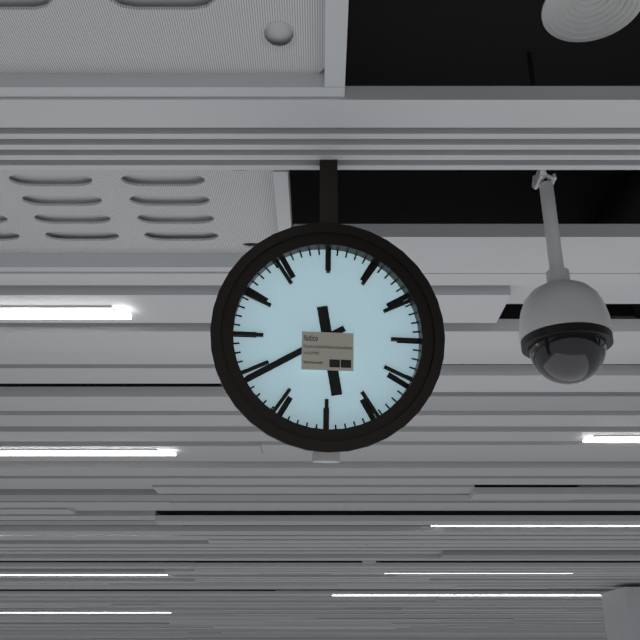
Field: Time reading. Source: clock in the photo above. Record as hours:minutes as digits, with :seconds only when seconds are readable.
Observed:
5:40
